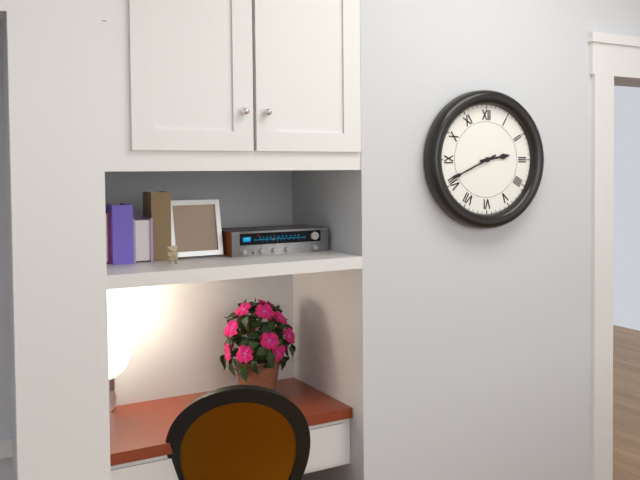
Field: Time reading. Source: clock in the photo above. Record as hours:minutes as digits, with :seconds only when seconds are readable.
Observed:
2:41
